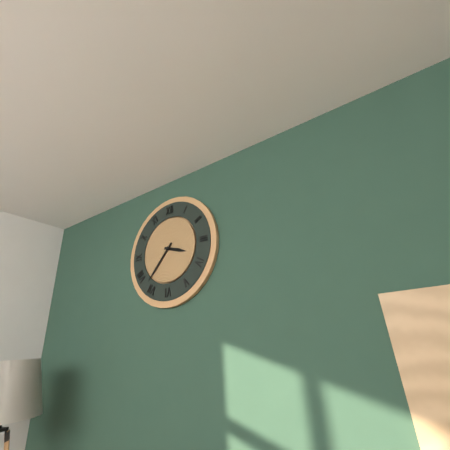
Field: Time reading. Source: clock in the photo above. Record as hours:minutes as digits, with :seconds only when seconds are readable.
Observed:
3:37
